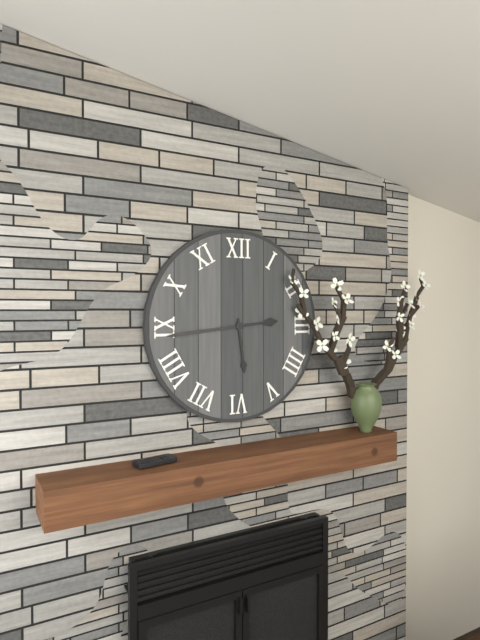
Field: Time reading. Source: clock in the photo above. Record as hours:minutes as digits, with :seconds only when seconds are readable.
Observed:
5:44
